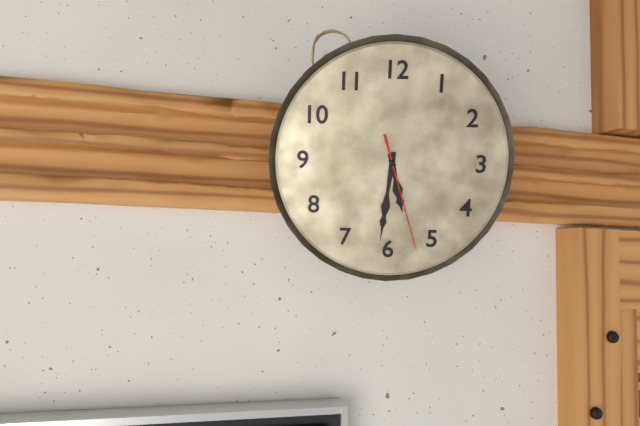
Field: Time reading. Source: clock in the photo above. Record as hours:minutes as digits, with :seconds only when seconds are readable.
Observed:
5:31:27
